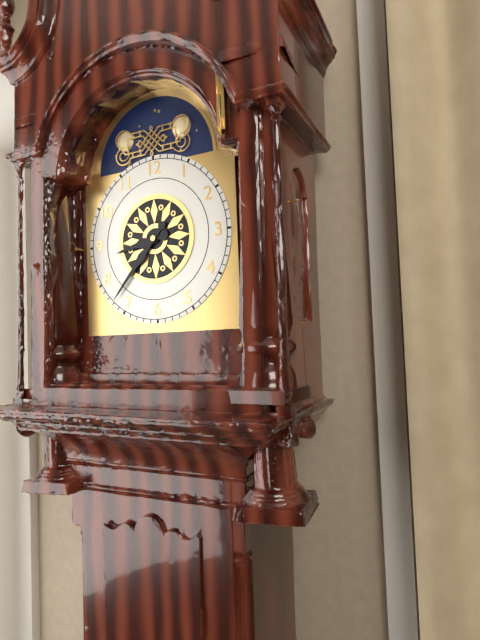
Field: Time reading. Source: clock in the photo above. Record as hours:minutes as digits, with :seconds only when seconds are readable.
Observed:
8:37
